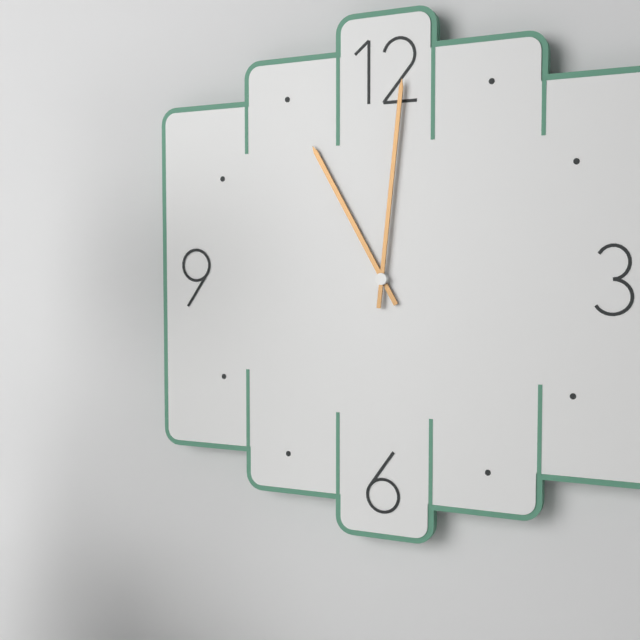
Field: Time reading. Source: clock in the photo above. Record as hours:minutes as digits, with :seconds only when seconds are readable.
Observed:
11:01
